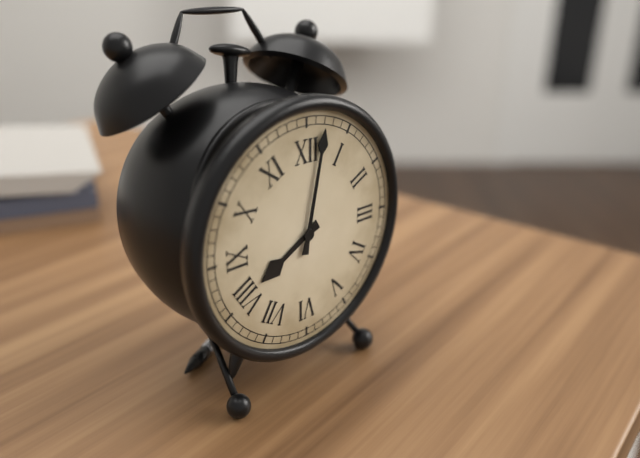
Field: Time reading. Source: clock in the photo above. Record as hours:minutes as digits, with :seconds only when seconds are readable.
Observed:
8:02
